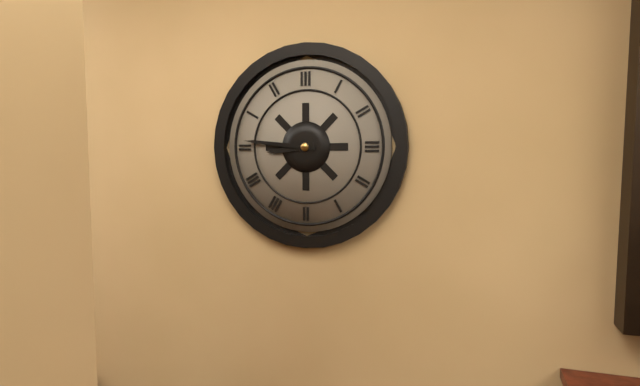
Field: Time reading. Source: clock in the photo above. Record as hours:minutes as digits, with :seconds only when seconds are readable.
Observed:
8:46
